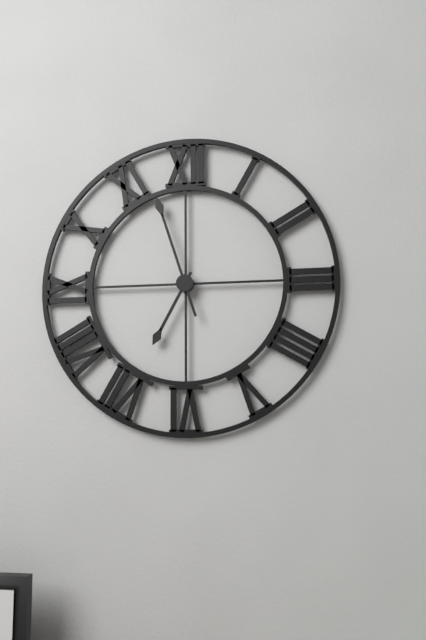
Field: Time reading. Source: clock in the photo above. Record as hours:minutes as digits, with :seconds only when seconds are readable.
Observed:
6:57
